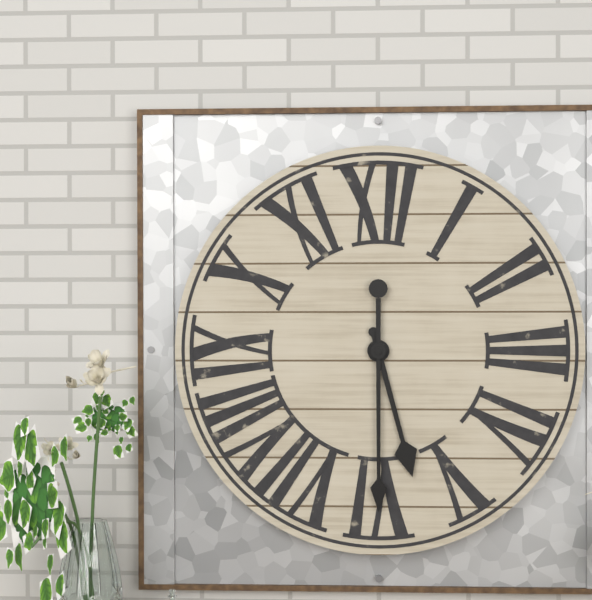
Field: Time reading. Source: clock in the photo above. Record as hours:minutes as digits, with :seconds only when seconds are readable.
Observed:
5:30
